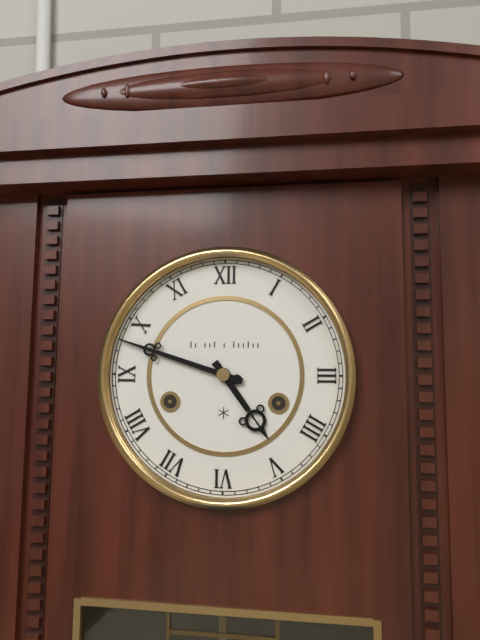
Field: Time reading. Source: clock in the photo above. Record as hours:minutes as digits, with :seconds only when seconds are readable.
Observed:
4:48
